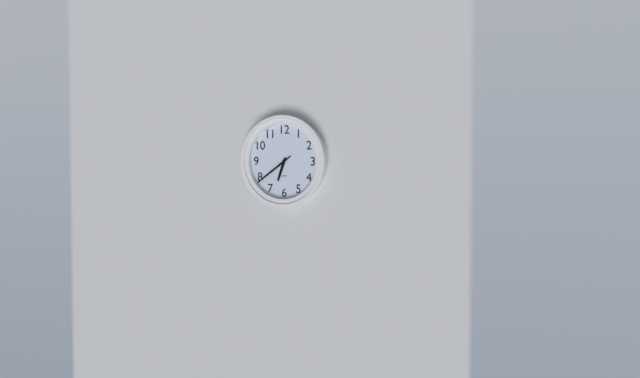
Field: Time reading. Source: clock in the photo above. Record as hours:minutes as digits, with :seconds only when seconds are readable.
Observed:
6:39
